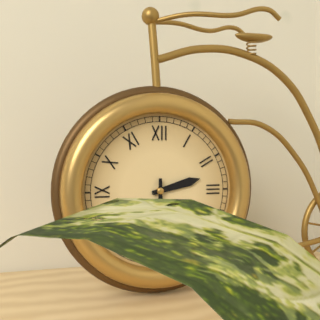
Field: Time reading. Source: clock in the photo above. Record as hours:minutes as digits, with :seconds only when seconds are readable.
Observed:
2:30
